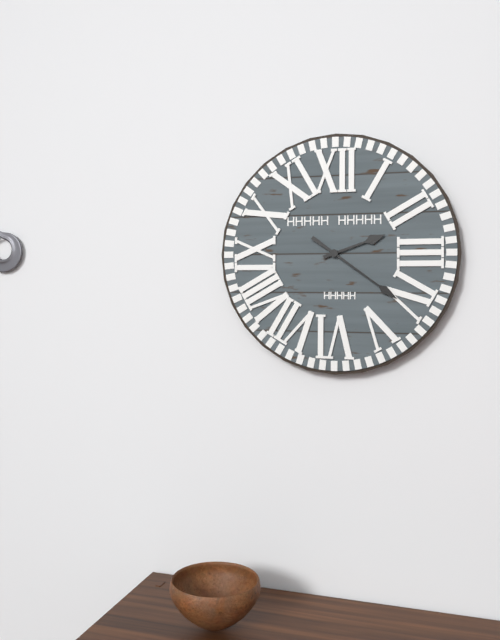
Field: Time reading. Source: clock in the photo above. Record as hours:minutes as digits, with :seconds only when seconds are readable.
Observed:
2:21
